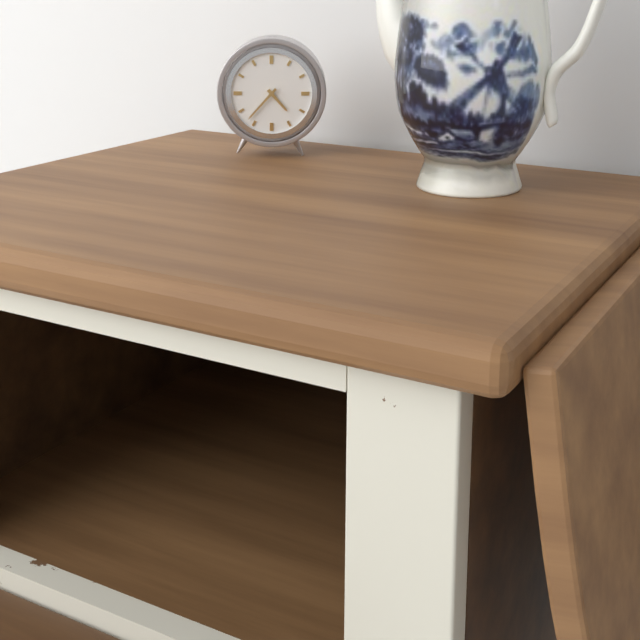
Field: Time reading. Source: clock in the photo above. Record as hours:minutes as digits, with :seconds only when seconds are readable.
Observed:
4:37
